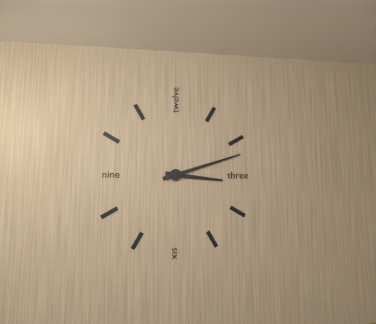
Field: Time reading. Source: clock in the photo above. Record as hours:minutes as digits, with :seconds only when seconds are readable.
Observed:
3:12
